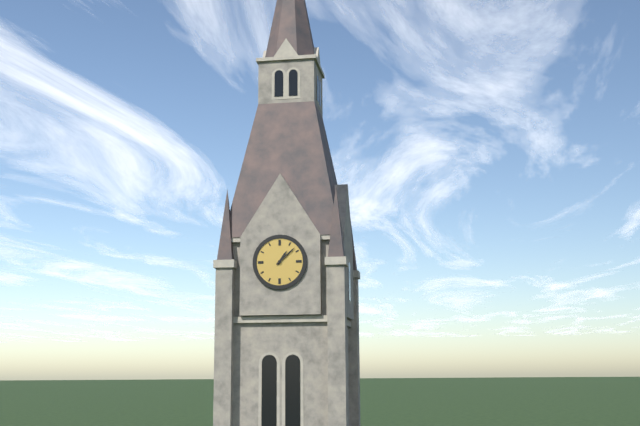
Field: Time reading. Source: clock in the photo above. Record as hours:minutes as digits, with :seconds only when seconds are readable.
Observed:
1:08
